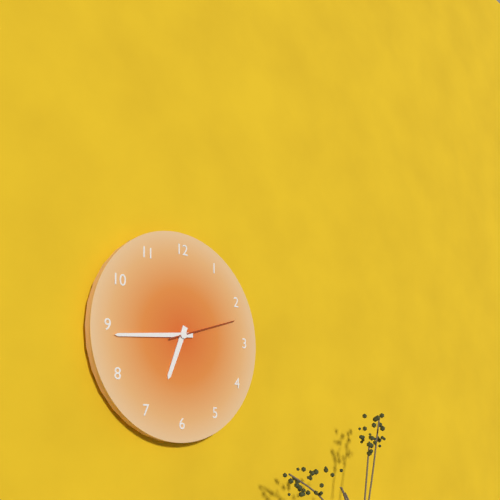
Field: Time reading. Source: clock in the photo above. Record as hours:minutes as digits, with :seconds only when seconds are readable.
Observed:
6:44:12
